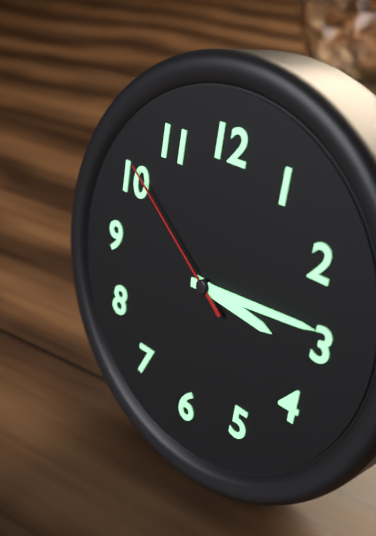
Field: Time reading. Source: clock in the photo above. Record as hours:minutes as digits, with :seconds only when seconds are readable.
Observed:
3:14:51
